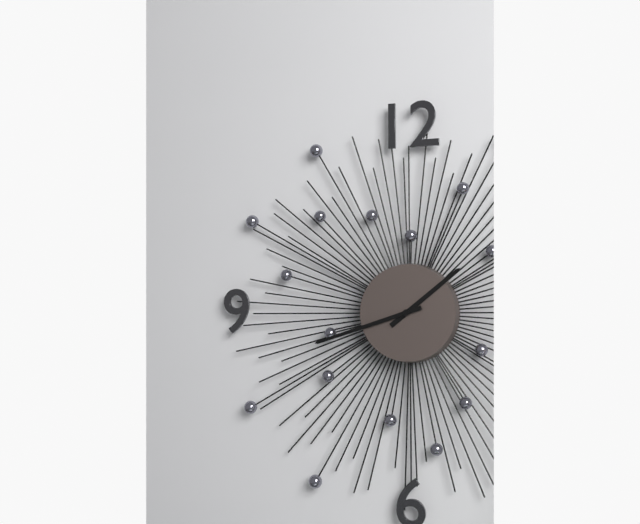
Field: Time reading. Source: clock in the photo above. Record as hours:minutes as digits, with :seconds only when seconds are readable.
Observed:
1:42
